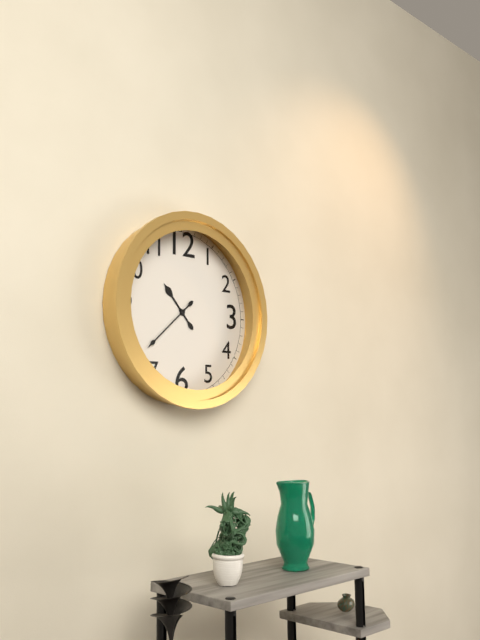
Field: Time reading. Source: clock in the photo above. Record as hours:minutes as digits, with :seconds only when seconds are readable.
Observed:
10:38
